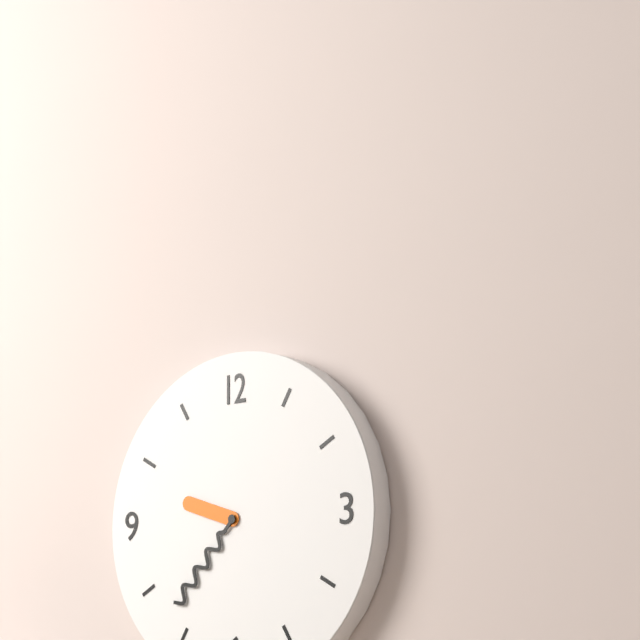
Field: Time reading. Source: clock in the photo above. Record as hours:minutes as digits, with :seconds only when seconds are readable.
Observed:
9:37
